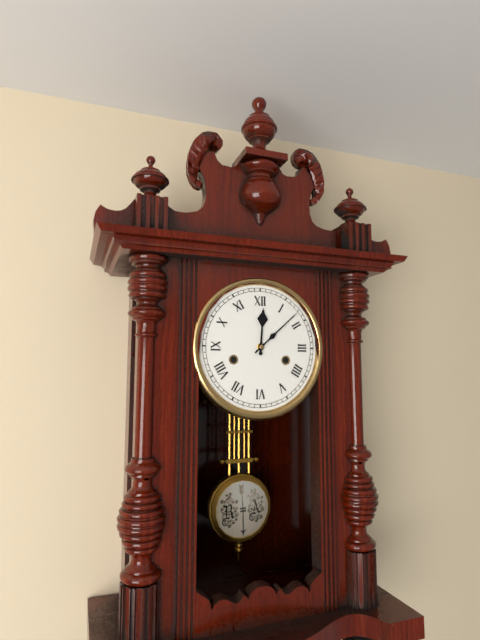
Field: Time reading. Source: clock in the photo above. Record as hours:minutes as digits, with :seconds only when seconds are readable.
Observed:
12:08
